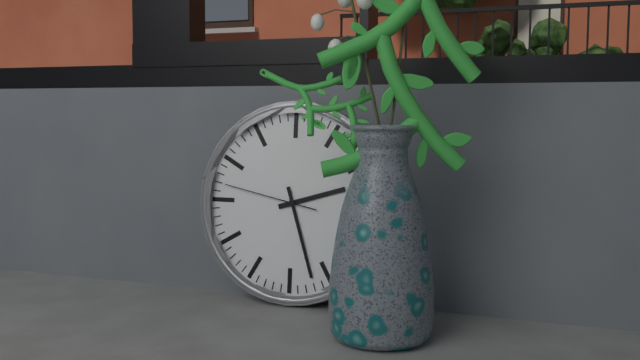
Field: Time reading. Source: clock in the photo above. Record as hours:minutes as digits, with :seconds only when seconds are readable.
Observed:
2:27:47
